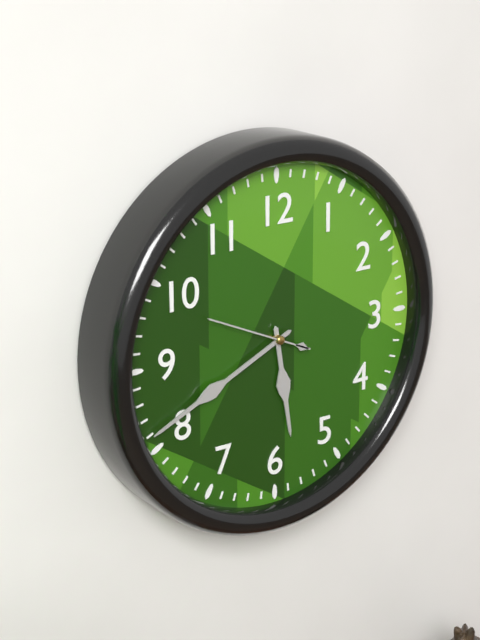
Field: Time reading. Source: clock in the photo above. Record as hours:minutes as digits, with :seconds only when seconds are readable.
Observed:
5:41:49
